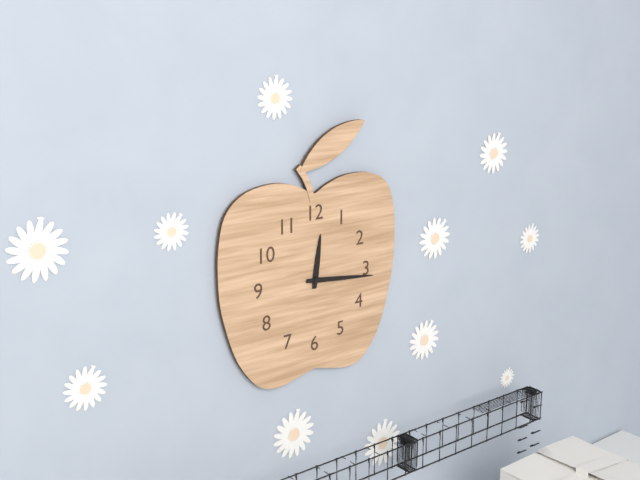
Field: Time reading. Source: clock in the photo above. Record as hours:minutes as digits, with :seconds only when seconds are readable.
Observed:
12:16
